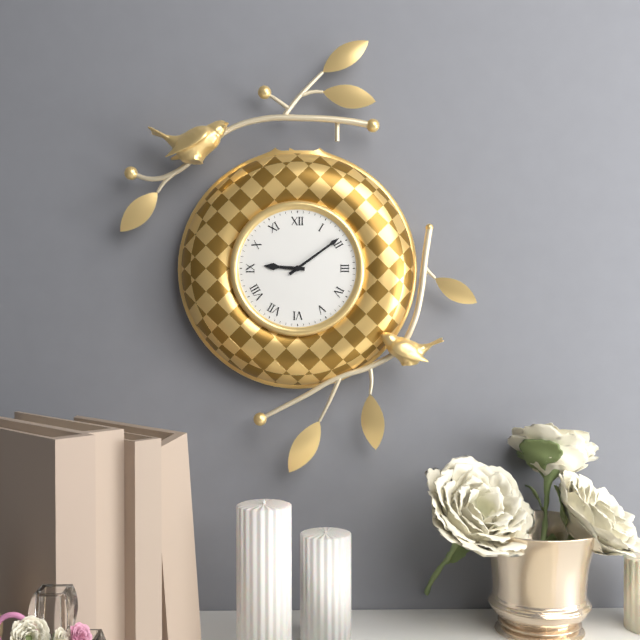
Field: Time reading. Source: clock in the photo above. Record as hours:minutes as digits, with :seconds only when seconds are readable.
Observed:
9:09
